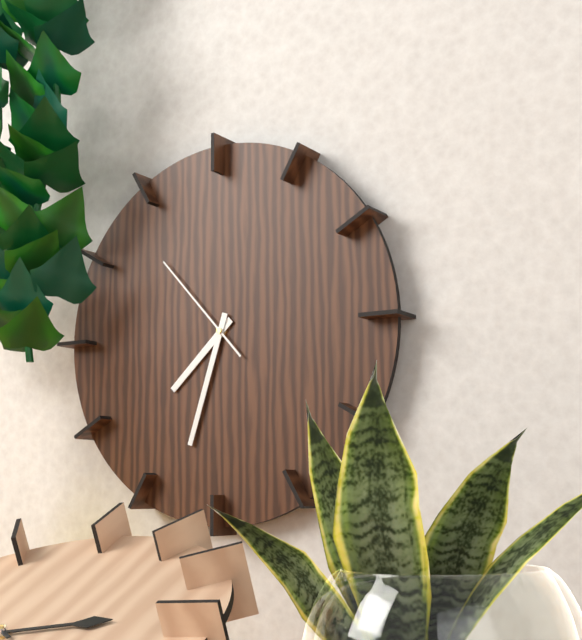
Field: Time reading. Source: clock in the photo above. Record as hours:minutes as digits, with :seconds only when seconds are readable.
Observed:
7:33:53
